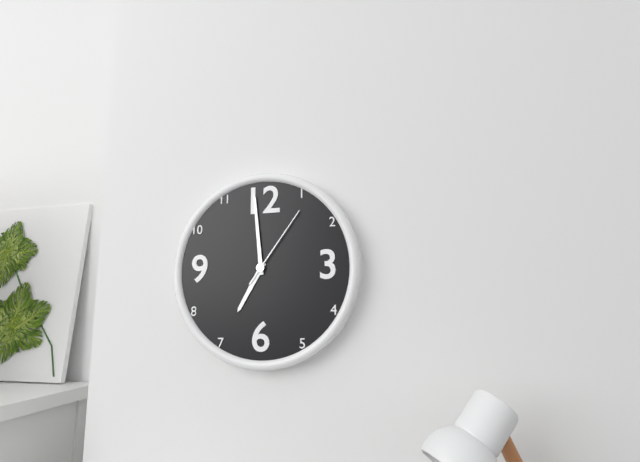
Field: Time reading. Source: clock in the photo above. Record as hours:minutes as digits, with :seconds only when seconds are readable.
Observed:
6:59:06
